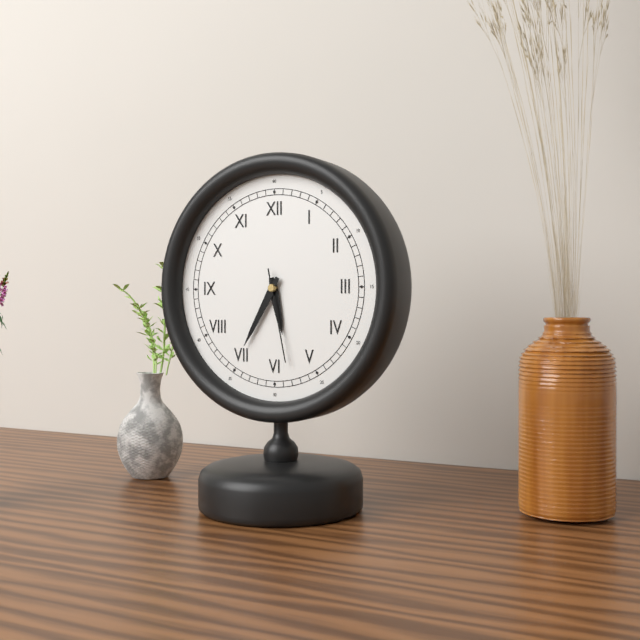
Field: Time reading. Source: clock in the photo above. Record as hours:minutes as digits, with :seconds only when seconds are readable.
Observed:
5:35:28
